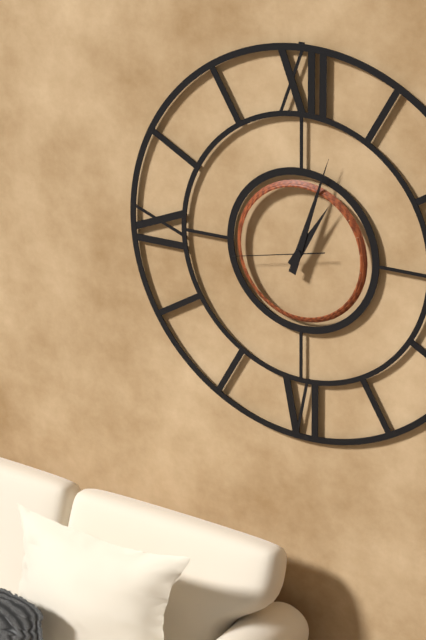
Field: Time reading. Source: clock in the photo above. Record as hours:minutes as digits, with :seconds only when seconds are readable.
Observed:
1:03:43
